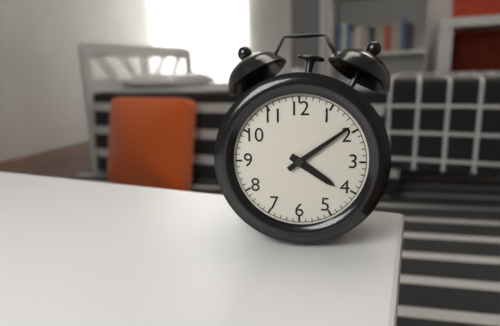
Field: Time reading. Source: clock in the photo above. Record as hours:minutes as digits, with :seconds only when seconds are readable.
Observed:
4:09
